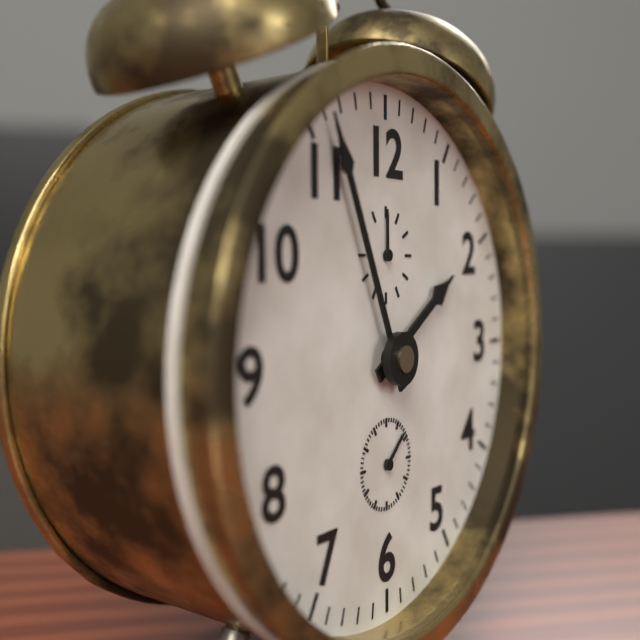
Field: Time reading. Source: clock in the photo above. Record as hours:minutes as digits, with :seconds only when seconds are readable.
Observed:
1:56
